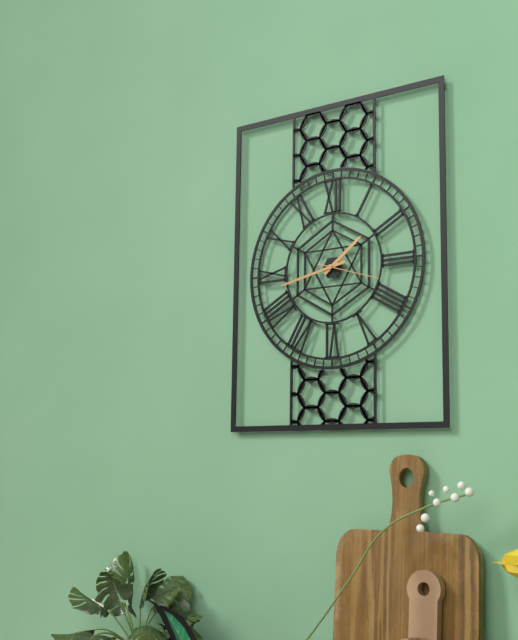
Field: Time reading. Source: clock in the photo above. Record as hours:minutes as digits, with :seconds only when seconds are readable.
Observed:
1:43:18
